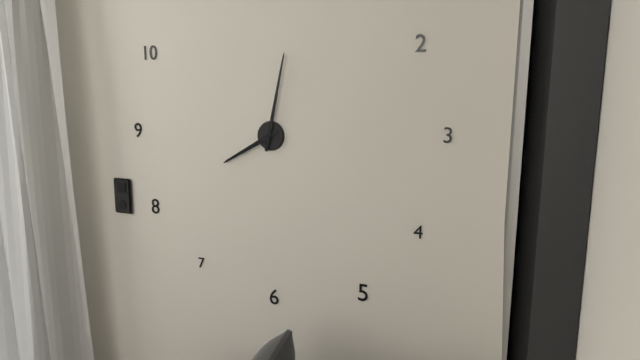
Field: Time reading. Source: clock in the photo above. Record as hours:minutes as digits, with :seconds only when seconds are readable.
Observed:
8:02
